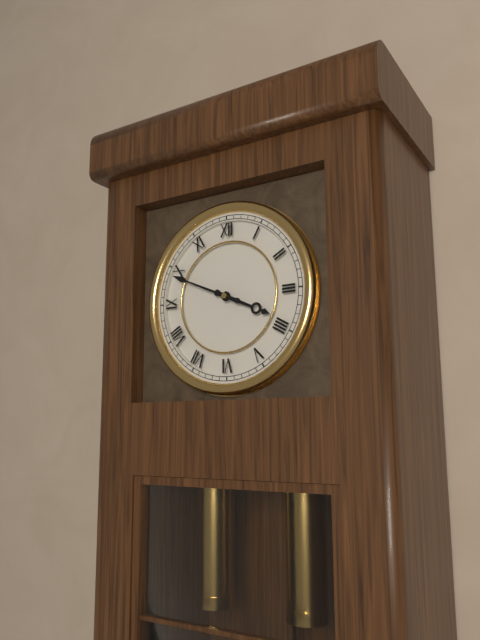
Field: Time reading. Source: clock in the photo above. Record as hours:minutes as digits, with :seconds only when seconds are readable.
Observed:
3:49
